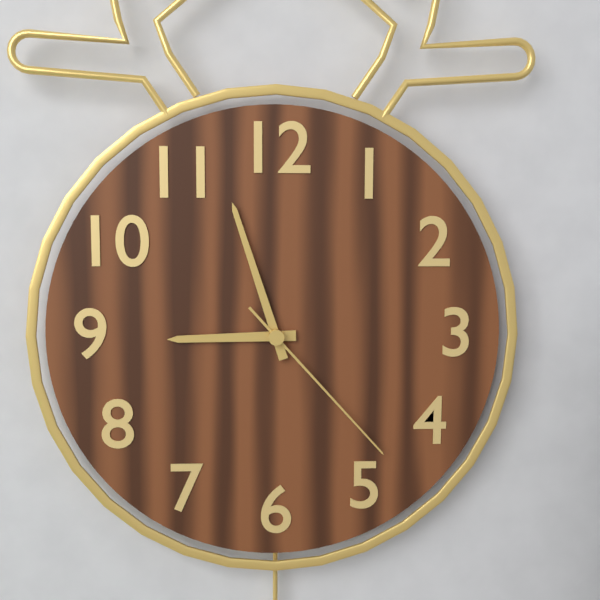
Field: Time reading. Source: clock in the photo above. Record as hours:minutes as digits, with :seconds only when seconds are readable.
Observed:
8:57:23
